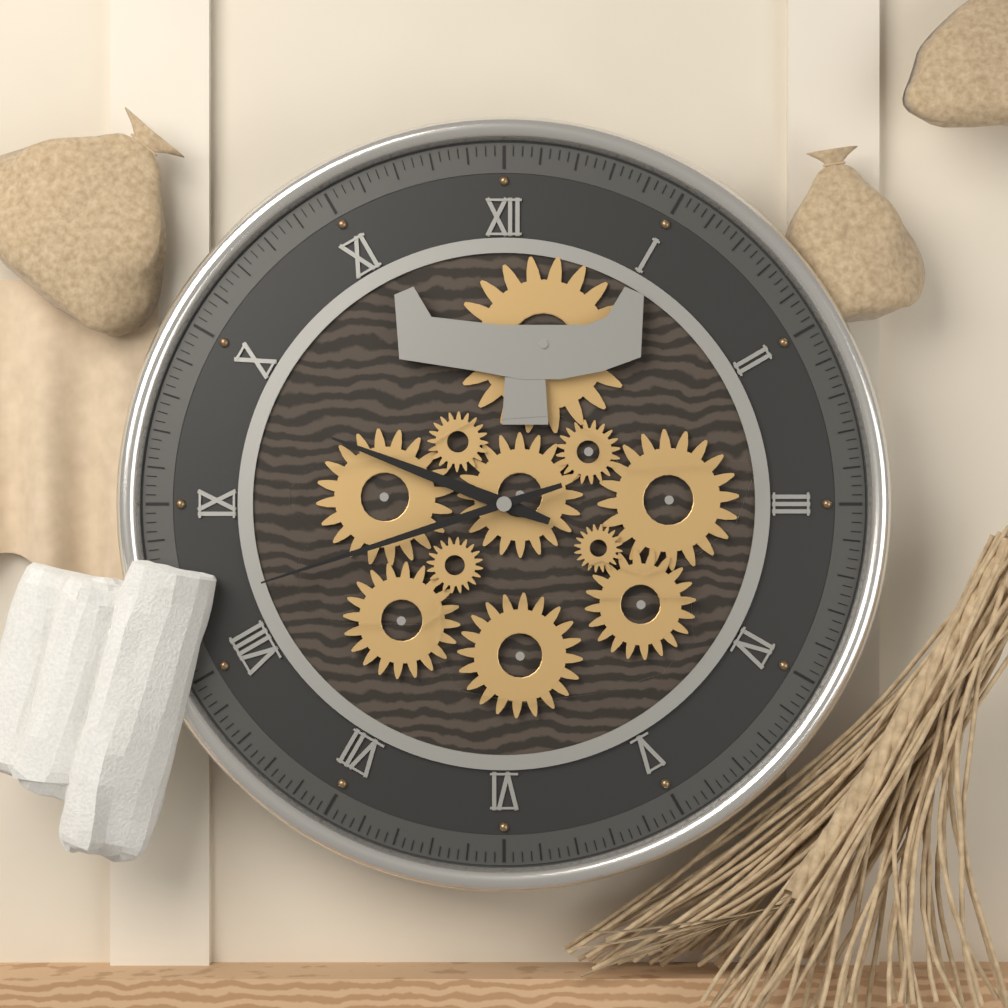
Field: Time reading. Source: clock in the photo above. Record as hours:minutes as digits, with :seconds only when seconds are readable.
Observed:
9:42
